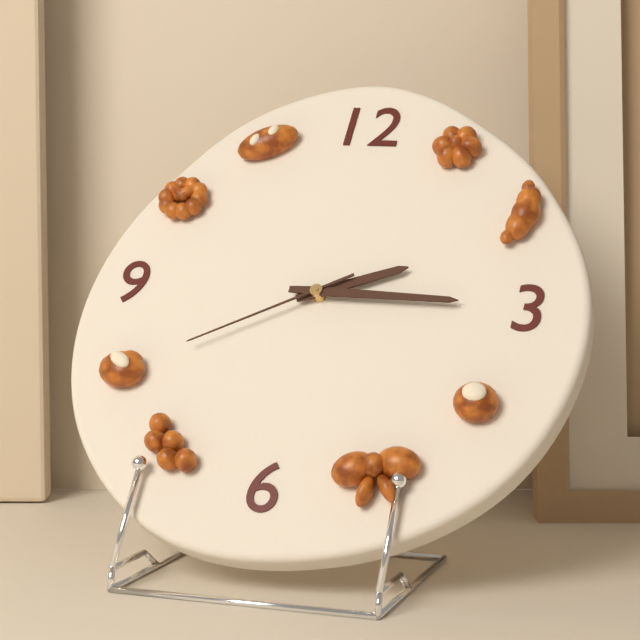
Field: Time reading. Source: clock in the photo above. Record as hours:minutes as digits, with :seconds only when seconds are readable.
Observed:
2:15:40
